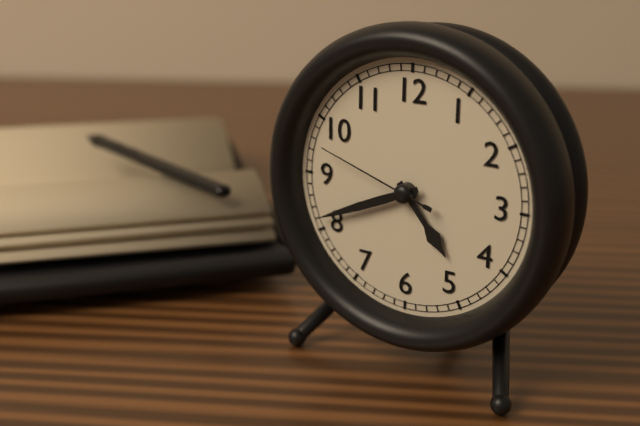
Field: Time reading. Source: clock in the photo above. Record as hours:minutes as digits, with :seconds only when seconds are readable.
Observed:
4:41:48
